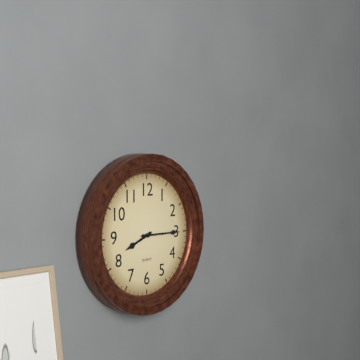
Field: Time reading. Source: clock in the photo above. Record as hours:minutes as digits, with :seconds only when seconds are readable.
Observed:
8:15
